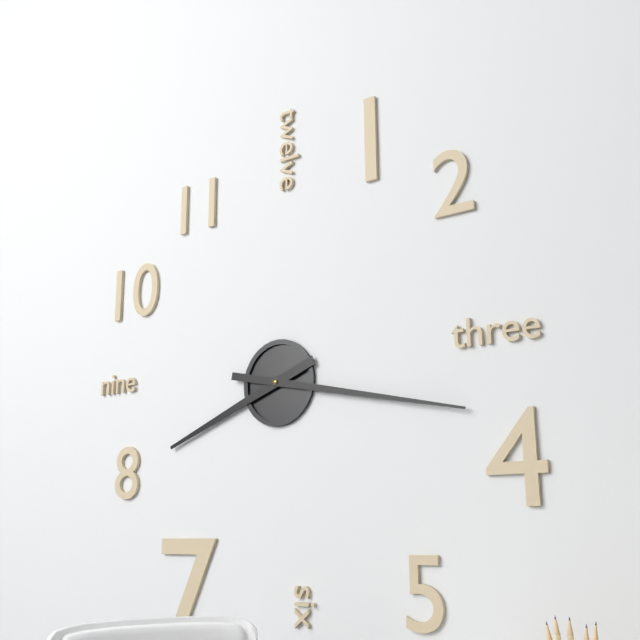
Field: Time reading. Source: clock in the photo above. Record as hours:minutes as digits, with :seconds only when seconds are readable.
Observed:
8:17
